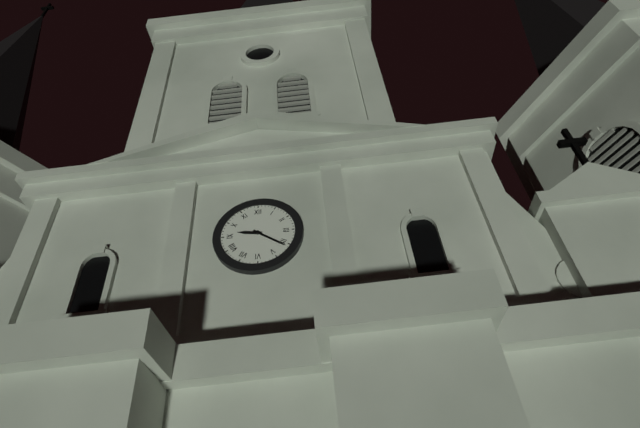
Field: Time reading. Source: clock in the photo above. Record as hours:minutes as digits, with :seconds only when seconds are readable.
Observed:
9:21
